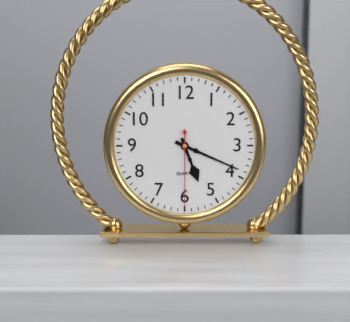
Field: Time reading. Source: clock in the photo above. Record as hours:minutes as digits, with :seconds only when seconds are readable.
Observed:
5:19:30
